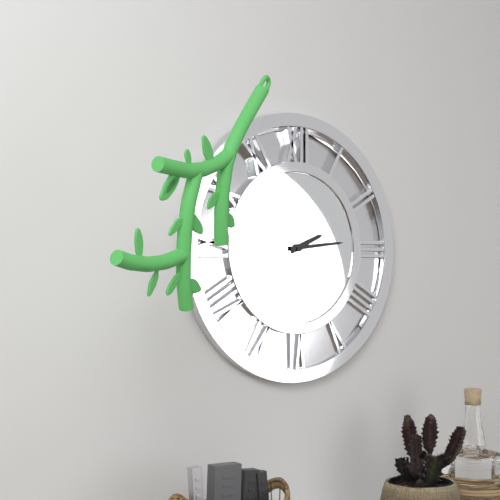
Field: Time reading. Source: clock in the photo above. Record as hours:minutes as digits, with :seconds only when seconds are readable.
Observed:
2:14
